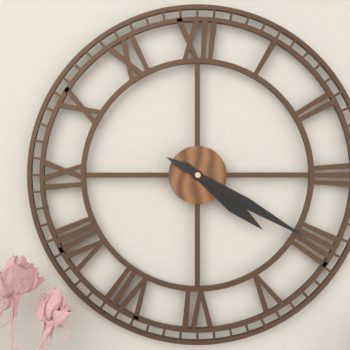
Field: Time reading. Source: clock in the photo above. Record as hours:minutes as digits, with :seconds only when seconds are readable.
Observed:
4:20
